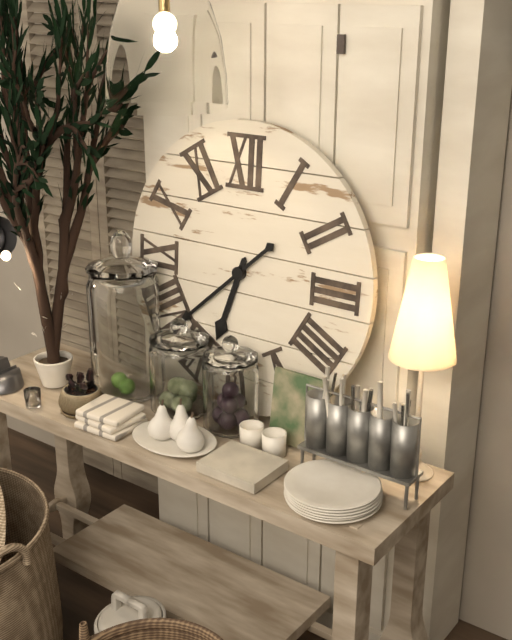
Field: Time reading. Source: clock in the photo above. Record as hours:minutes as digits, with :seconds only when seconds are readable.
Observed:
6:38
